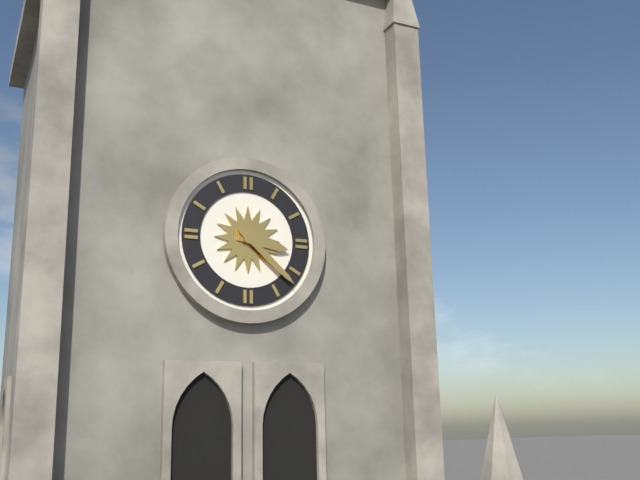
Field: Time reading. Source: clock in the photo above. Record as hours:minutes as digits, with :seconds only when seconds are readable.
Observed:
3:22
